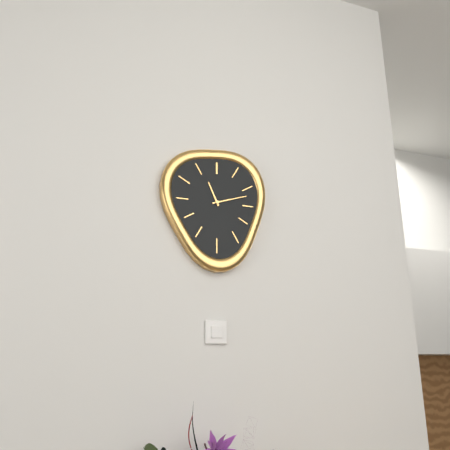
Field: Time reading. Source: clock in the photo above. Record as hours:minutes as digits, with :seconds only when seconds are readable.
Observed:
11:12
